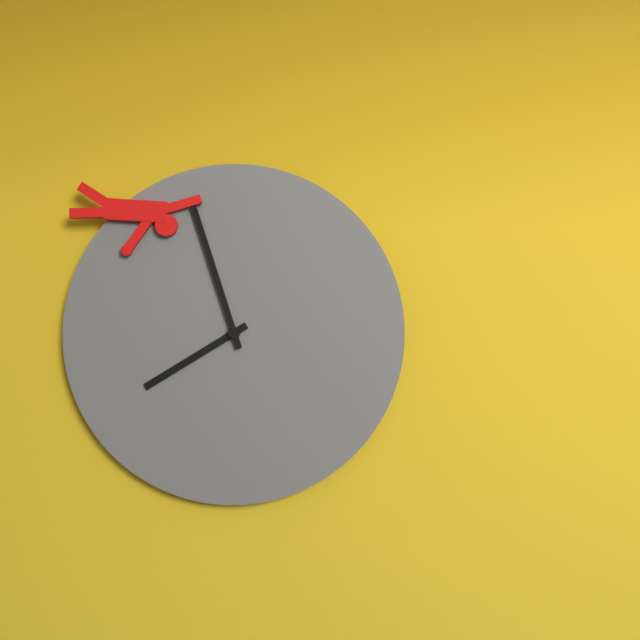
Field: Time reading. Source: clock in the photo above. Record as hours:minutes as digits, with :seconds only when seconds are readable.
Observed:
7:57
